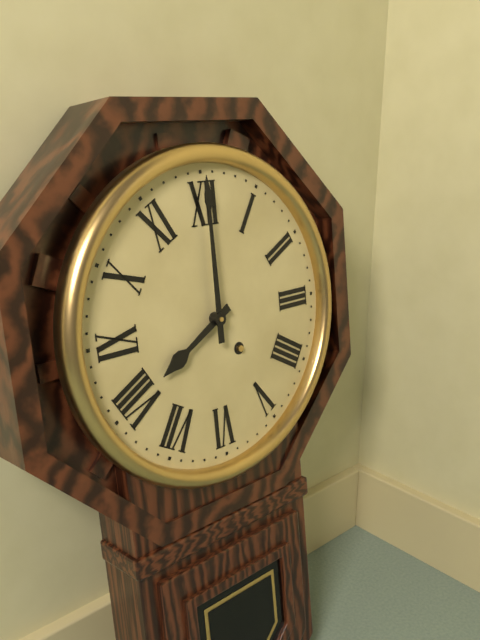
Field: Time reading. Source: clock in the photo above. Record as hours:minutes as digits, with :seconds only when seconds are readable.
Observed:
8:00
